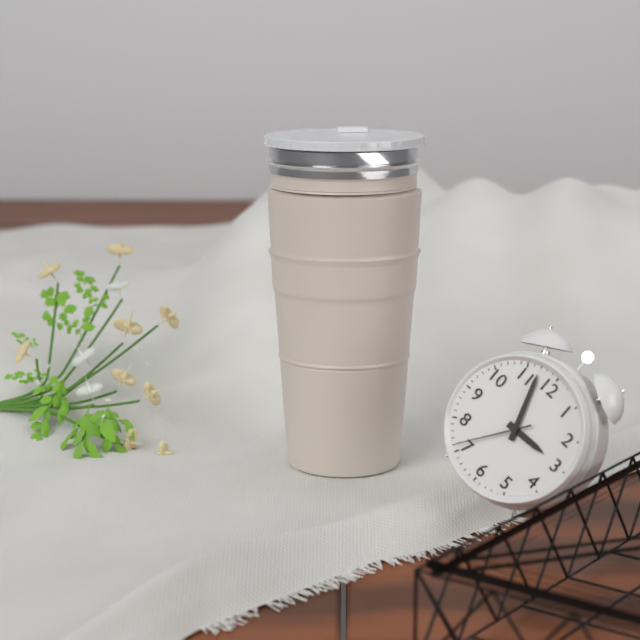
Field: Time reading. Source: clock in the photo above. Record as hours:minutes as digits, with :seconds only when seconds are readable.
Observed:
2:57:36
